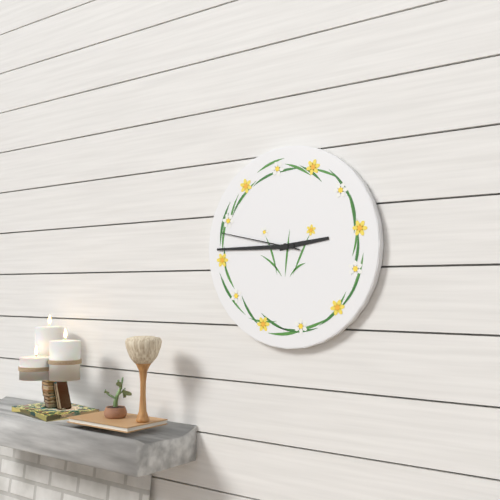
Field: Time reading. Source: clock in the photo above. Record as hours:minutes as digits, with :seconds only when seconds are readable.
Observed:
2:45:47
